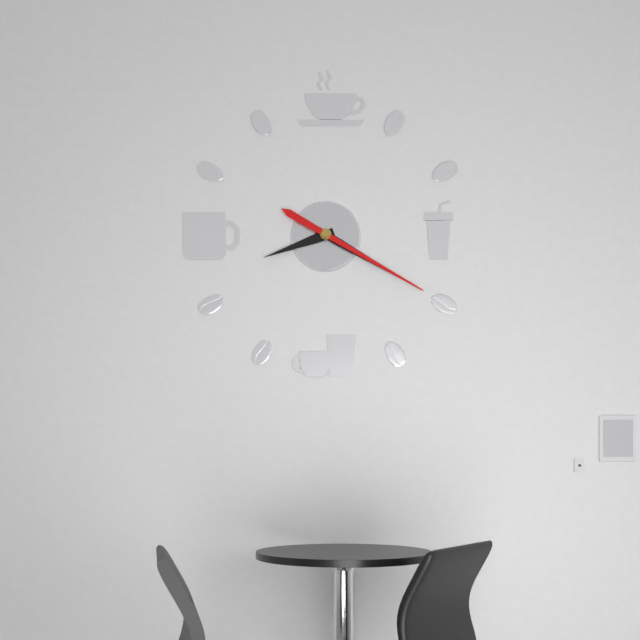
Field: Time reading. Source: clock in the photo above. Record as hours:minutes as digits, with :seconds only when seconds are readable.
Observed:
8:20:20
